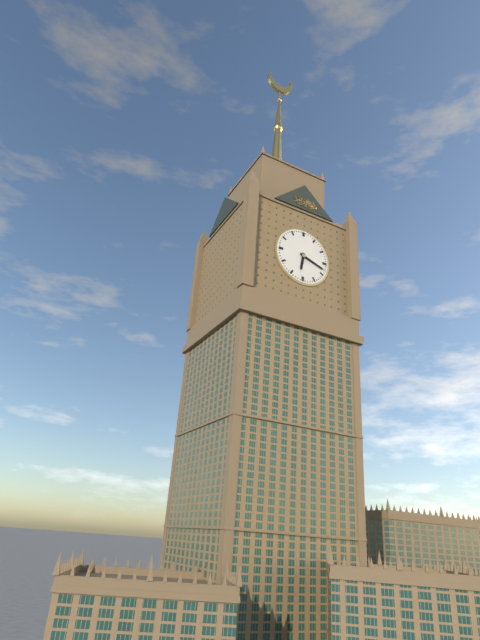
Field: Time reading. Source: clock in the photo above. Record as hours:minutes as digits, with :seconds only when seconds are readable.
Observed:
6:18
